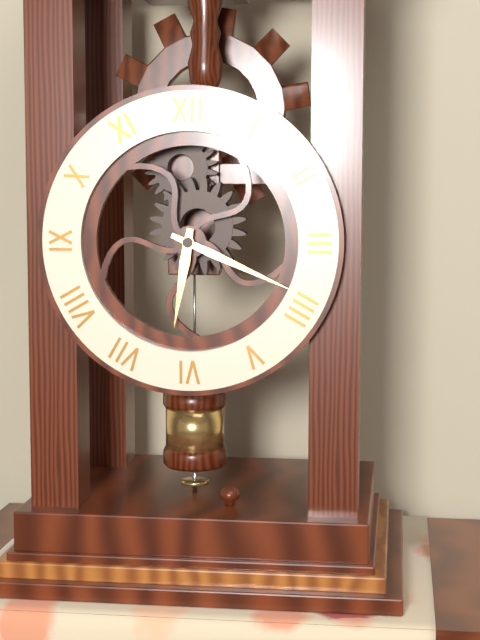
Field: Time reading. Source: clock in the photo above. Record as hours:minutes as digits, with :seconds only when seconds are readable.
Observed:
6:19
